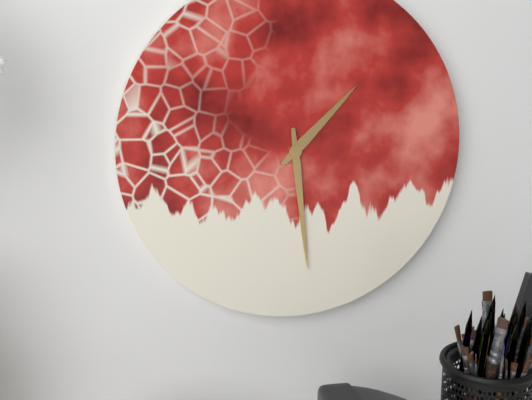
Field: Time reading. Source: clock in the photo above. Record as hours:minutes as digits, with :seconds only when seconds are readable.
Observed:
1:29
